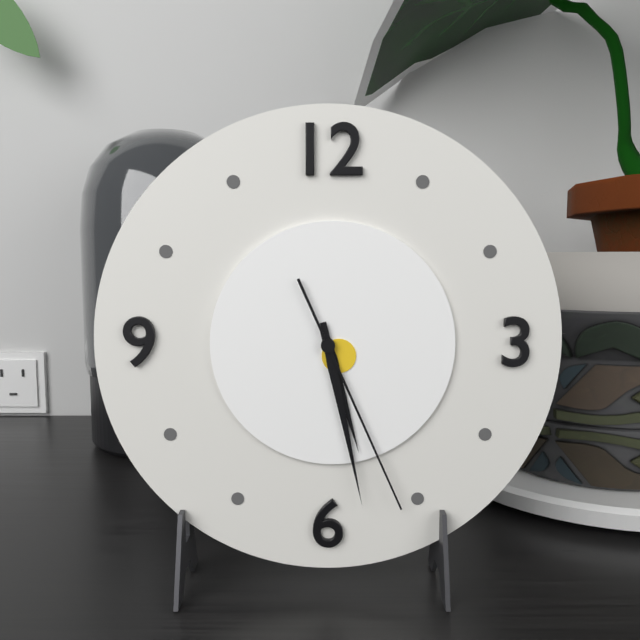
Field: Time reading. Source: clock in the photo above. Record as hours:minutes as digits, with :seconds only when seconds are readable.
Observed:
5:28:26
